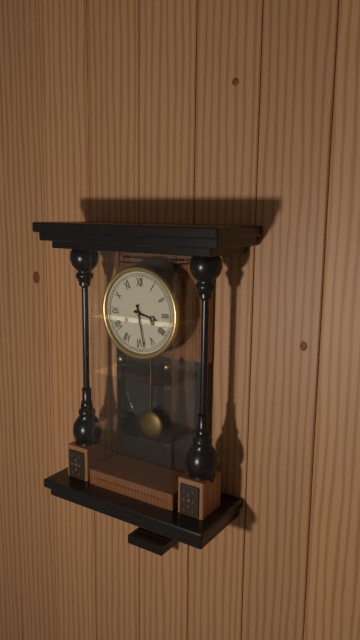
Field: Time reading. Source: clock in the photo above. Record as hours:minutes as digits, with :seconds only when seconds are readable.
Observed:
3:28
